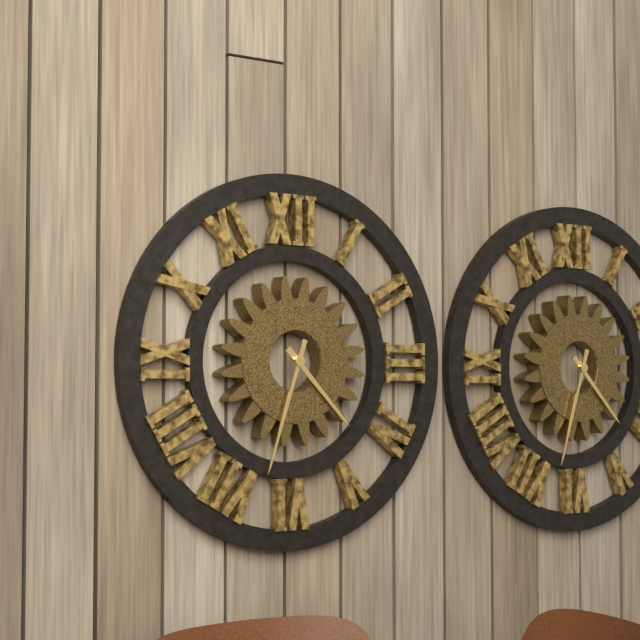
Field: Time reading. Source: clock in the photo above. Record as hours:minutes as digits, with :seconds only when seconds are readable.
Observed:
4:33
